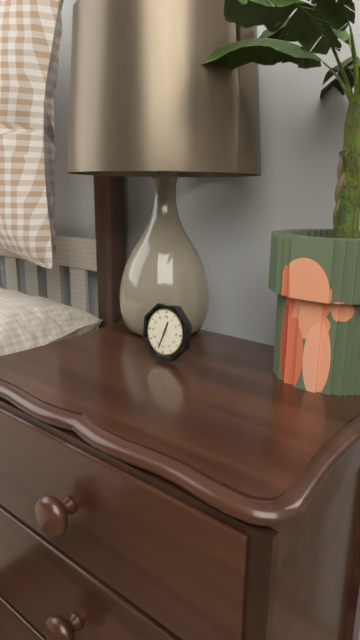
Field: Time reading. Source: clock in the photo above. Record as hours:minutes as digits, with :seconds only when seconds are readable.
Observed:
12:33
